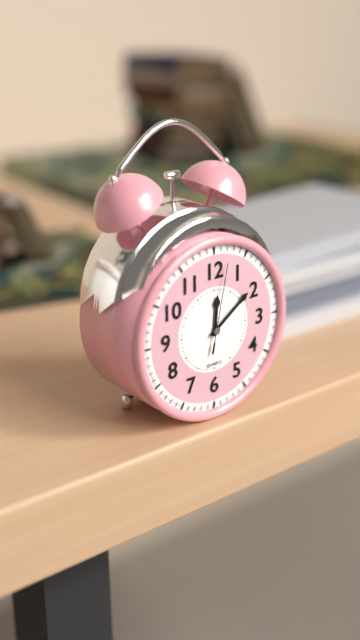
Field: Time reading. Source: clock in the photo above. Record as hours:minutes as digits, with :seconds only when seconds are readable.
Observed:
12:09:02
